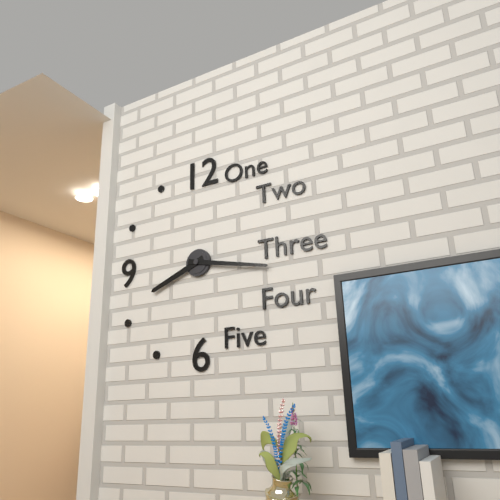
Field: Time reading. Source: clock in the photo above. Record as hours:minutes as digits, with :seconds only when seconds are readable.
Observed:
8:17
